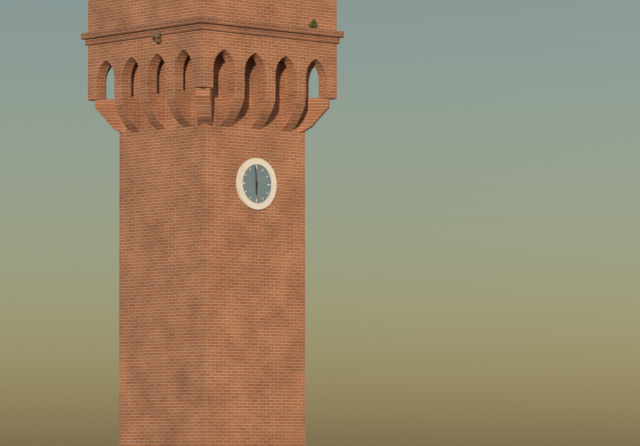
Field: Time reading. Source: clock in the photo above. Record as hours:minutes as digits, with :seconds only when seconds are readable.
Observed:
5:59
